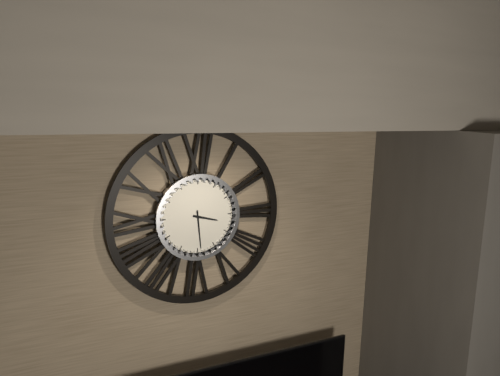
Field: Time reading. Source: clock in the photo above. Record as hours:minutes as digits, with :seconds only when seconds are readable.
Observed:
3:29
